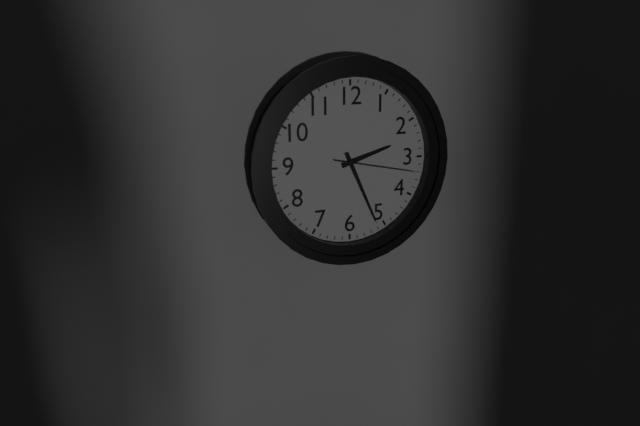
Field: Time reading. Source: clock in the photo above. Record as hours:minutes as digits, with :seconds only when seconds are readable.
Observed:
2:26:17
